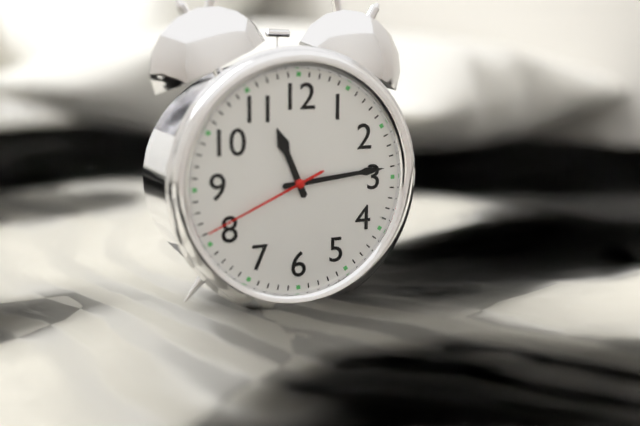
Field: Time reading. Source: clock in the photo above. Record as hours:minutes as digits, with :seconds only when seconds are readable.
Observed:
11:14:41
